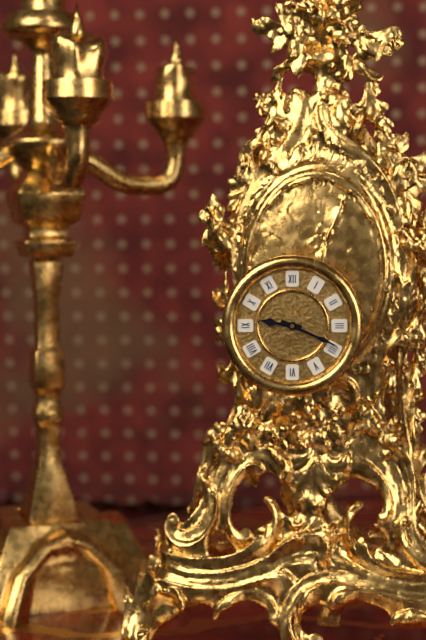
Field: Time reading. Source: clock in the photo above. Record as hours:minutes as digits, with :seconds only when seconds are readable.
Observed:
9:19
